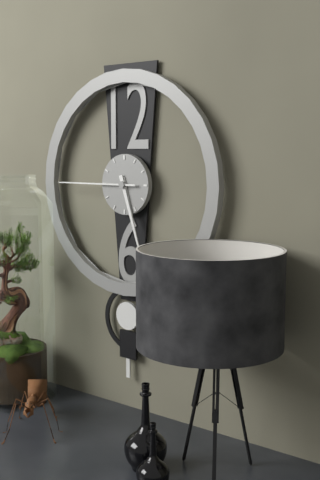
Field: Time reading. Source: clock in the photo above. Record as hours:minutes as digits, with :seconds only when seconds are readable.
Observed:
5:27:45
